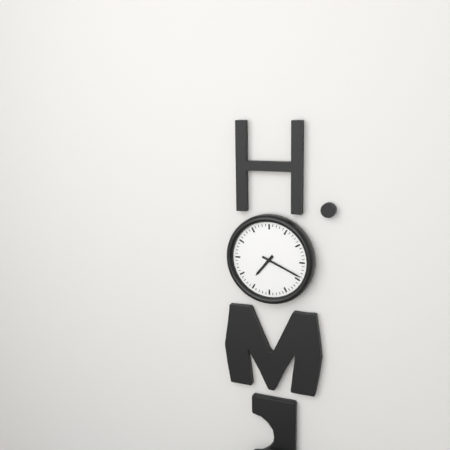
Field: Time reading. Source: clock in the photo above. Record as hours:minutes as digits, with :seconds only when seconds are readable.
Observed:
7:19
